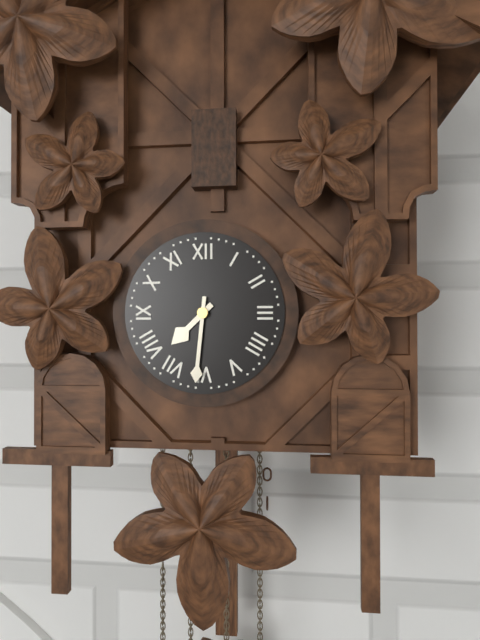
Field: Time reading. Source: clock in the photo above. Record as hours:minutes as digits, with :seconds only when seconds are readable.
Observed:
7:31
